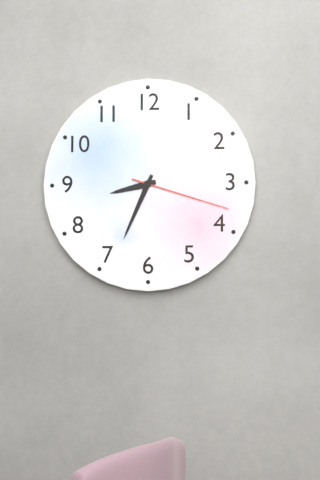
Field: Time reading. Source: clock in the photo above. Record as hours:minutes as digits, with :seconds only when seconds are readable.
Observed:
8:34:18
